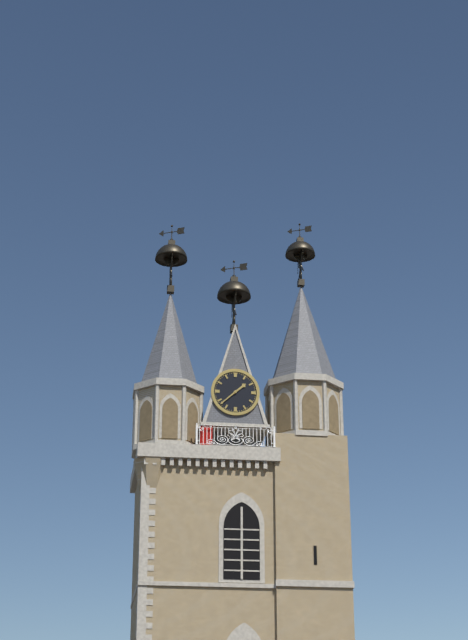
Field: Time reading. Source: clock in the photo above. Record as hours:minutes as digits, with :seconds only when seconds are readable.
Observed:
1:38
